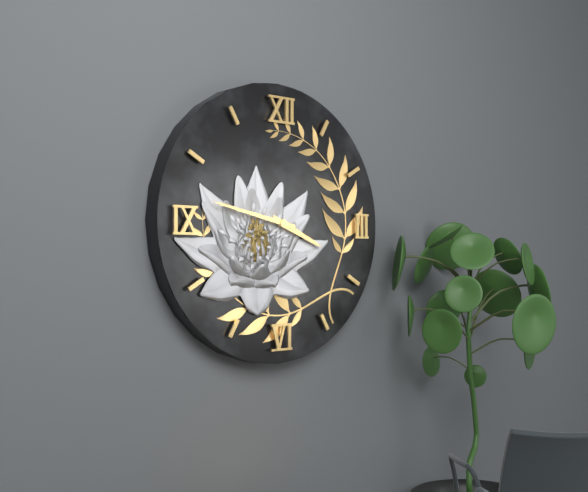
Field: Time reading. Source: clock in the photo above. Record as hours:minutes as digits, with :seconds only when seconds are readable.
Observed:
3:47
